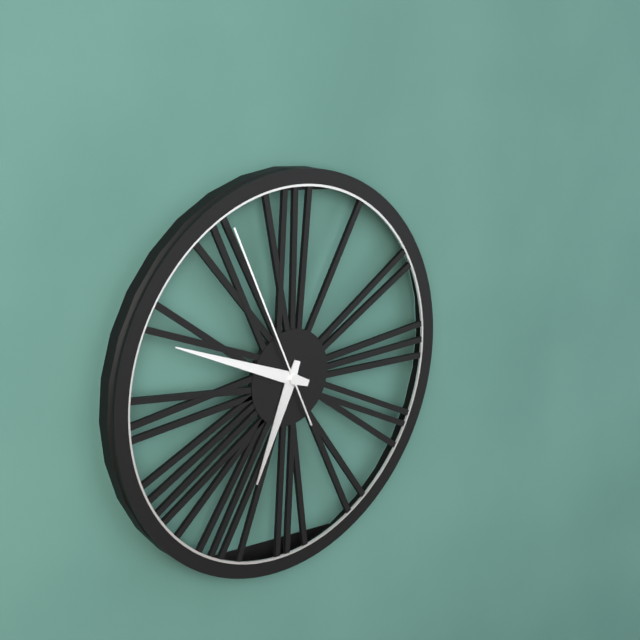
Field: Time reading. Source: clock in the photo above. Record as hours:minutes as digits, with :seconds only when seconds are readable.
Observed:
6:49:56
